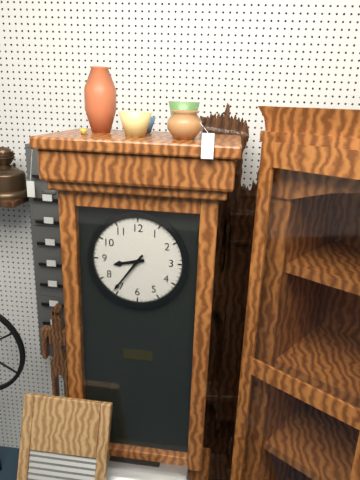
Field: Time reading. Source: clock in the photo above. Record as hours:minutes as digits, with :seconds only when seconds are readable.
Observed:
8:36
